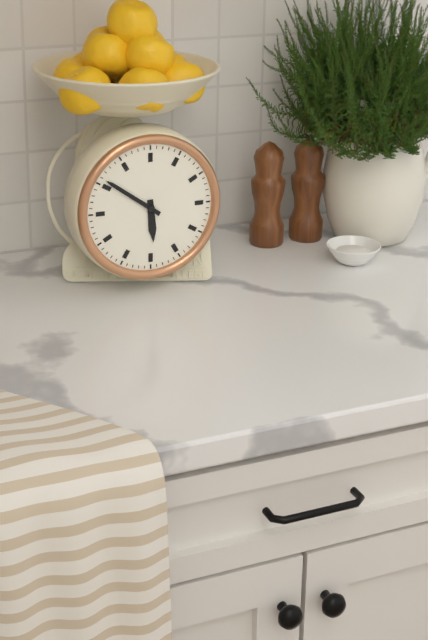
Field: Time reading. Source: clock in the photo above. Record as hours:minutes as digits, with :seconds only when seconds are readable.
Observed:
5:51
